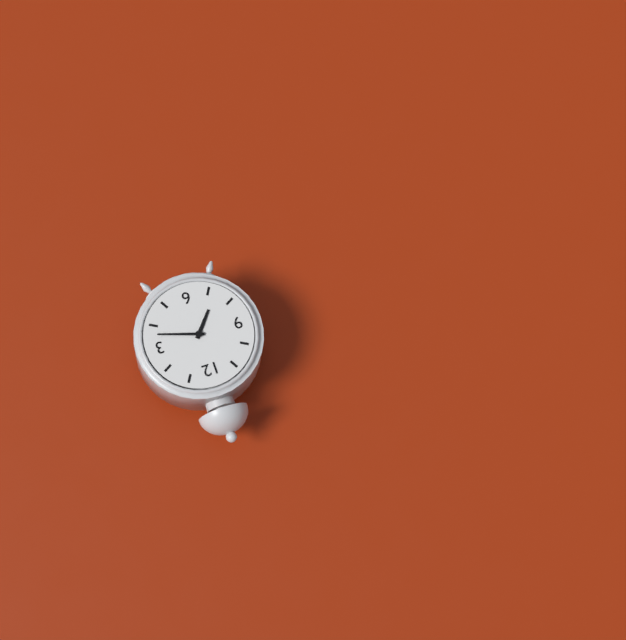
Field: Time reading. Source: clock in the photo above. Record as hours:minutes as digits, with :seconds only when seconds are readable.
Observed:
7:18
